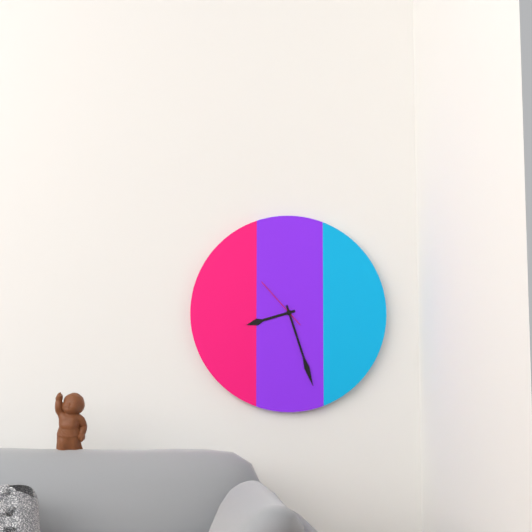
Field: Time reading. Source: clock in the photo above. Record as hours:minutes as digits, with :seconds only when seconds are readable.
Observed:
8:27:53
